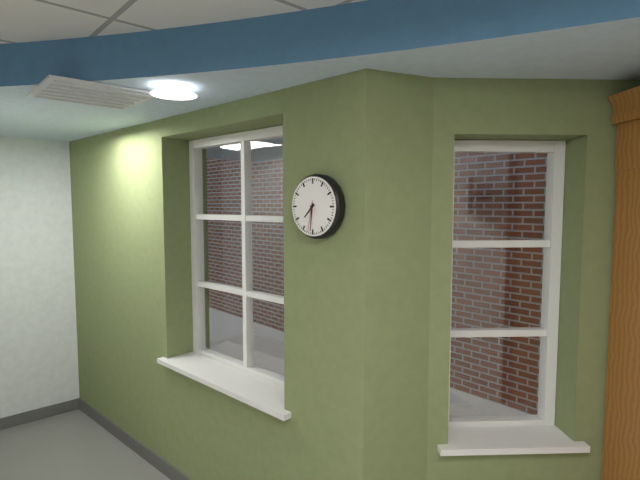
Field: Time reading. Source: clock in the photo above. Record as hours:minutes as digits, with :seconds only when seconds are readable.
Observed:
7:31
